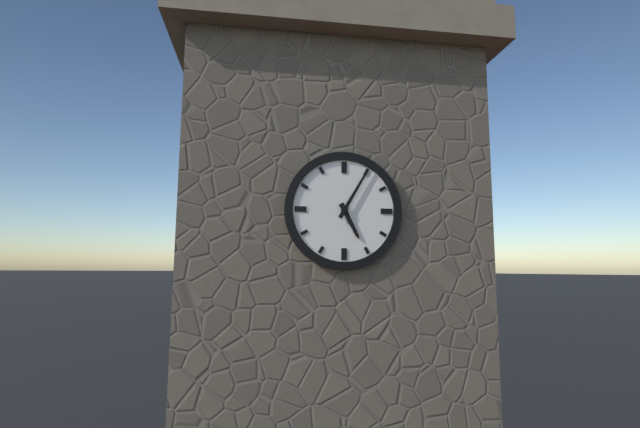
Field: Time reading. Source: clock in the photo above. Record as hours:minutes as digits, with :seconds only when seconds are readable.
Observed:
5:05
